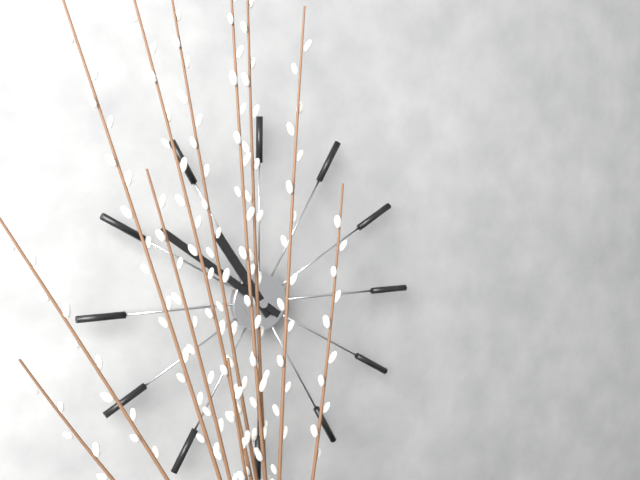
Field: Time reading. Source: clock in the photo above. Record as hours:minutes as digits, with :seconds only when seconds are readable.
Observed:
10:51
